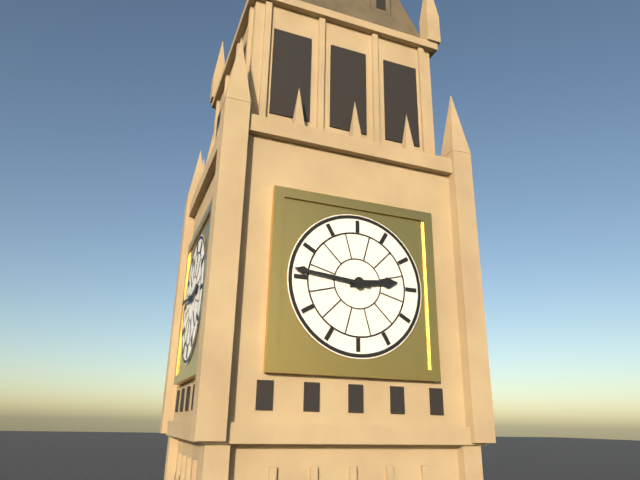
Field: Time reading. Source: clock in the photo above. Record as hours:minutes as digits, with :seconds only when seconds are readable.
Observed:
2:46
